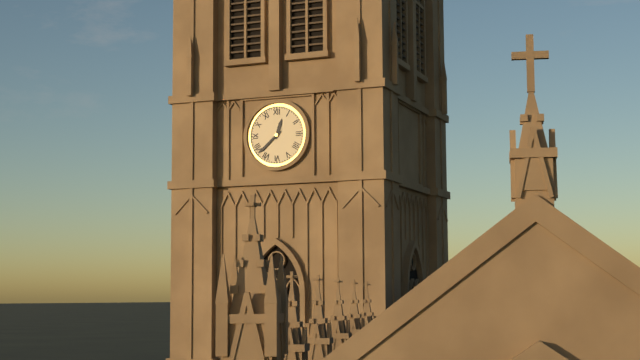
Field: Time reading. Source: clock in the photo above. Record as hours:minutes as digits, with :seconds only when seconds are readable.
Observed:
12:38
